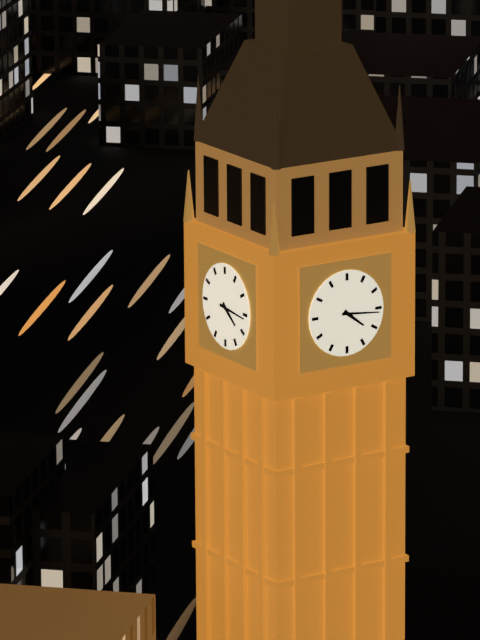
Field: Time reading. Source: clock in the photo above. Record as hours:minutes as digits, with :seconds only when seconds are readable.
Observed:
4:16
